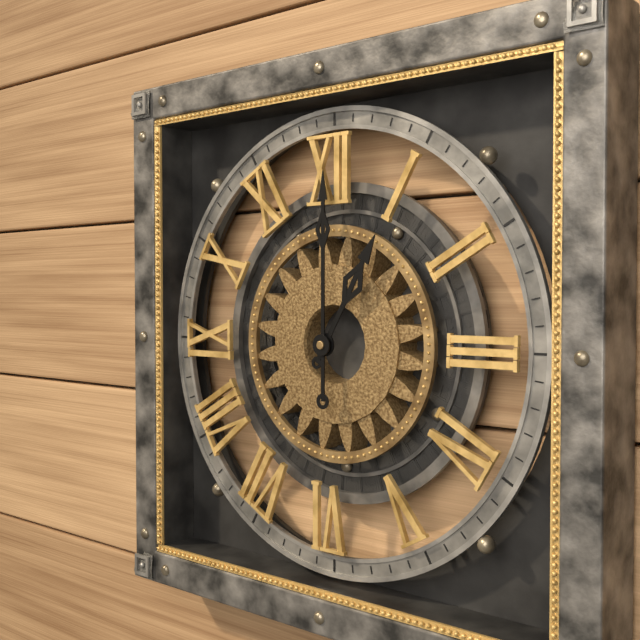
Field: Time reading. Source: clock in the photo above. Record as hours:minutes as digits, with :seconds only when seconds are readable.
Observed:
1:00
